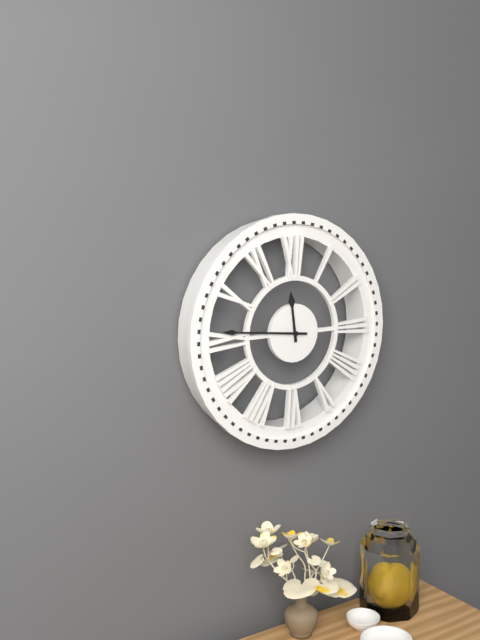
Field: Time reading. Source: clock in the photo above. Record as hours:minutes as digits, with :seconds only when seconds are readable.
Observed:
11:46
